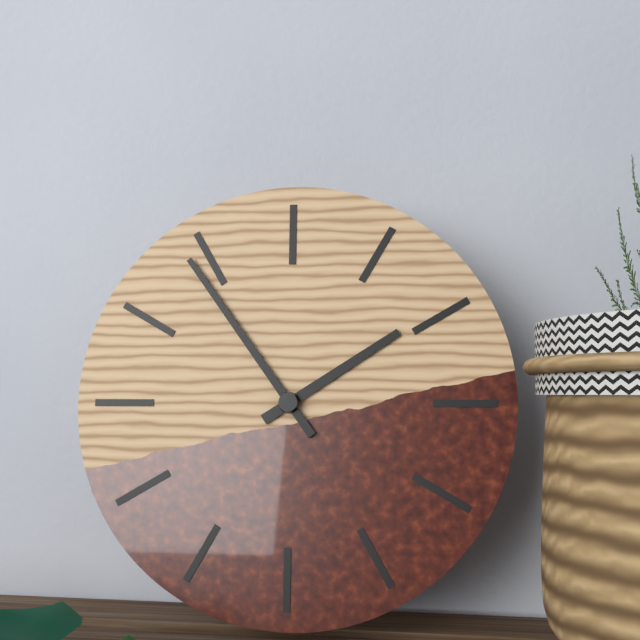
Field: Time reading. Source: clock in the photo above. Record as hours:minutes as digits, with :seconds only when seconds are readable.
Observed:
1:54
